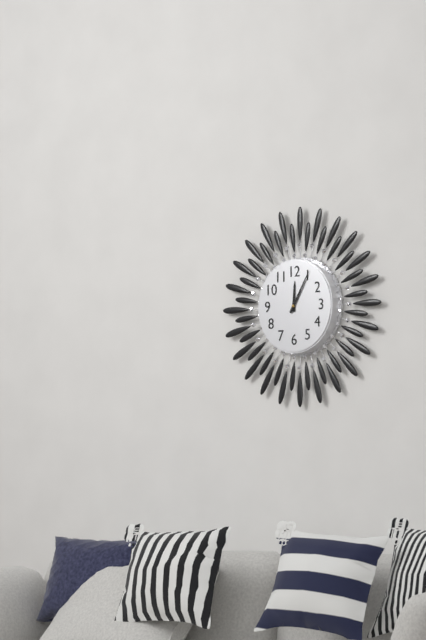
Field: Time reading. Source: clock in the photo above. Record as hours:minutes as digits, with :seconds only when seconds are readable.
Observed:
12:05
